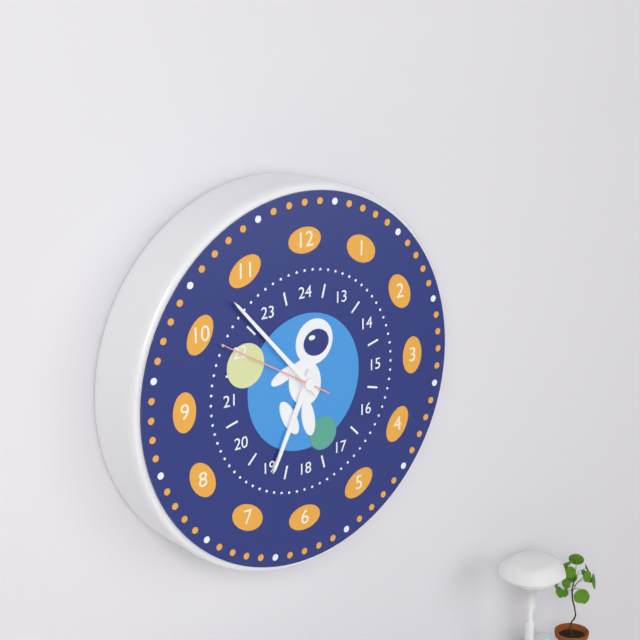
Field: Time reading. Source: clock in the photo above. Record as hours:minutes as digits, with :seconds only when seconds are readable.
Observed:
6:53:50
